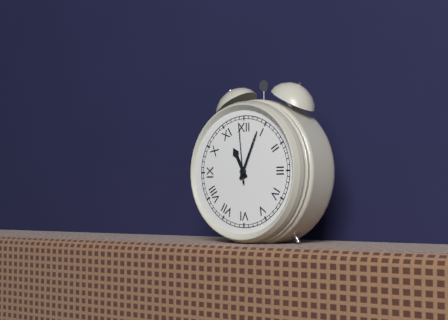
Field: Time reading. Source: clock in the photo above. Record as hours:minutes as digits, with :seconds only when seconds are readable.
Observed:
11:04:59
